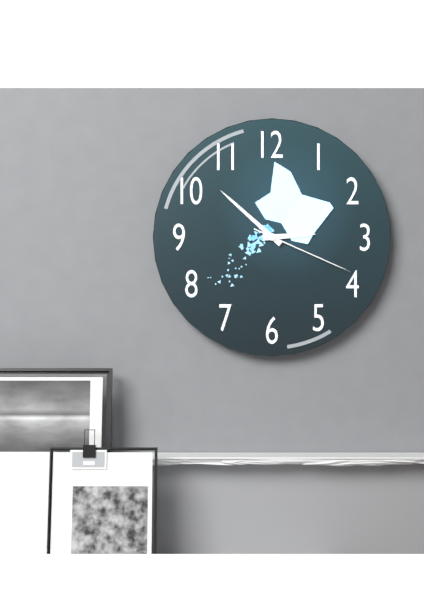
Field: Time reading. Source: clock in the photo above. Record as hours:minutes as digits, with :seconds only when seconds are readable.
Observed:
2:52:19
